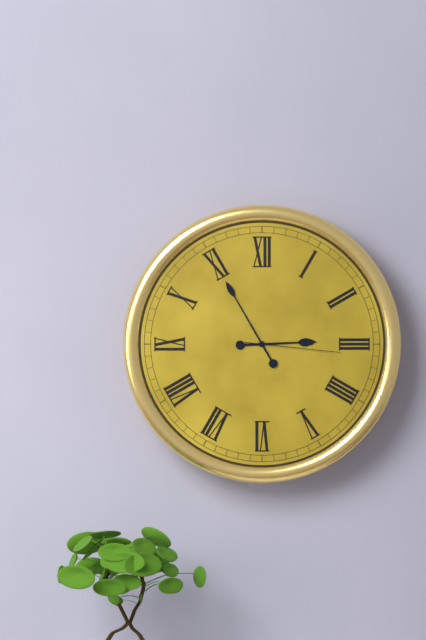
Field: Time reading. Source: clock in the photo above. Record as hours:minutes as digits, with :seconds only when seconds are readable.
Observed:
2:55:16
